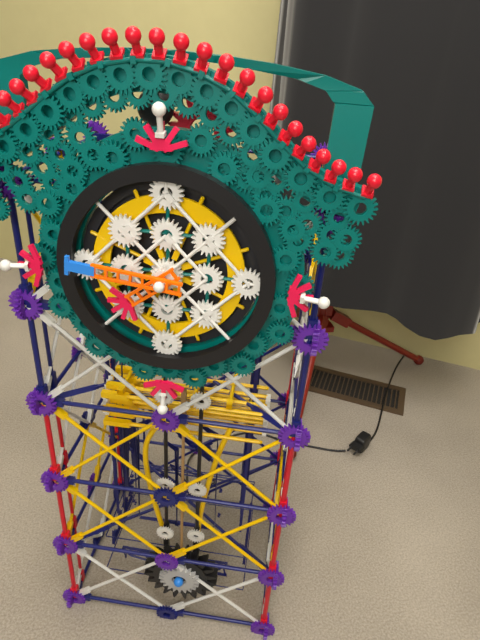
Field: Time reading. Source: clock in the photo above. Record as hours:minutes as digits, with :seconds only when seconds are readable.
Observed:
7:46
